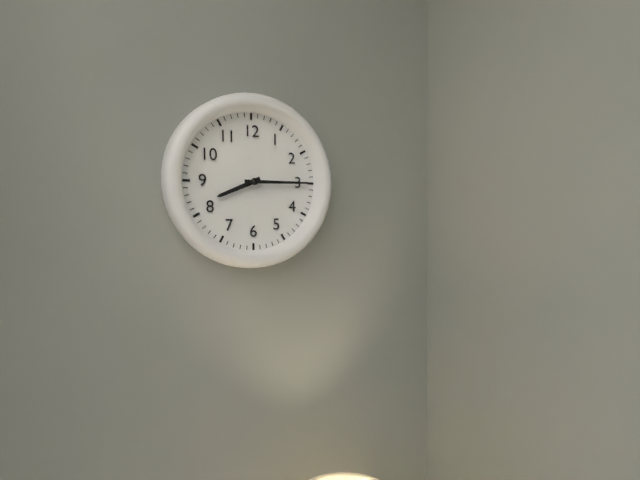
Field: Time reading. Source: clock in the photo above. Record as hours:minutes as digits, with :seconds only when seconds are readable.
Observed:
8:15
